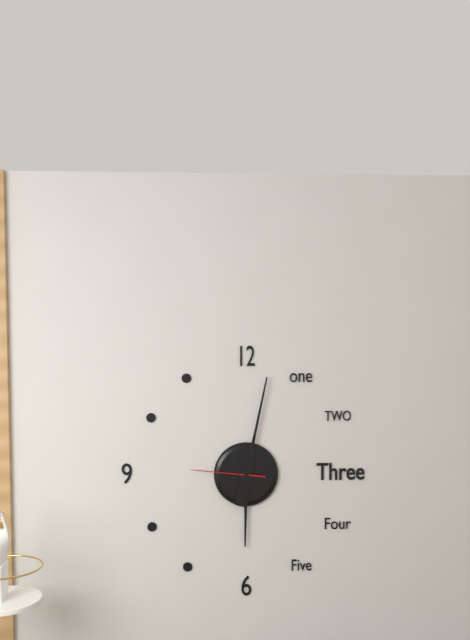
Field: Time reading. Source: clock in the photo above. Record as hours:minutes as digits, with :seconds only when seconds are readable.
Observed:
6:02:46
